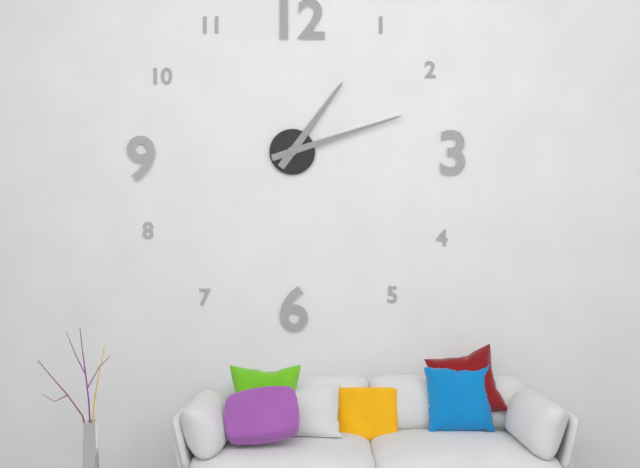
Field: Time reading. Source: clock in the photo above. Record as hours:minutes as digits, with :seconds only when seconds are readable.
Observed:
1:12
